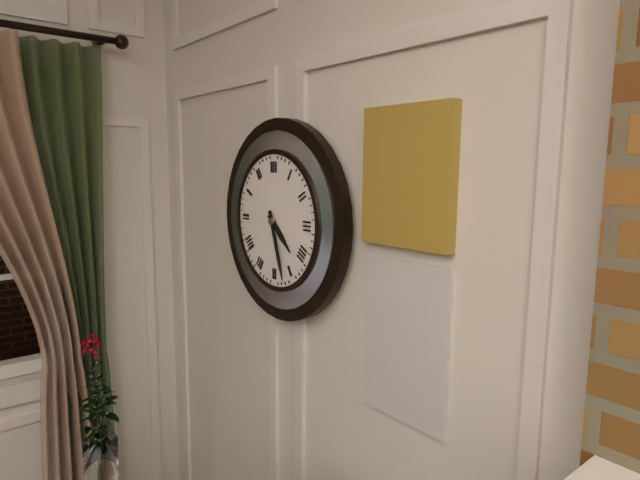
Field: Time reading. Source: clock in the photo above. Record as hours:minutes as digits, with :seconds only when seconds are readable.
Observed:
4:27
